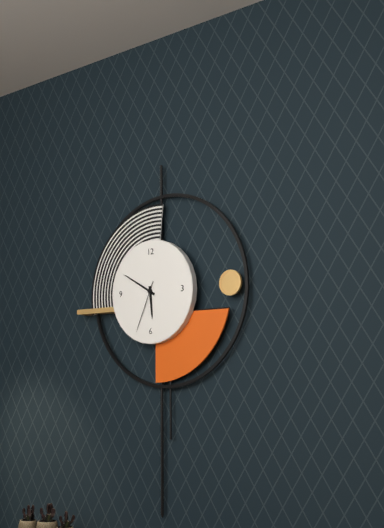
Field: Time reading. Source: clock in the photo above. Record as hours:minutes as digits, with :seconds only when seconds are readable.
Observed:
5:50:34
